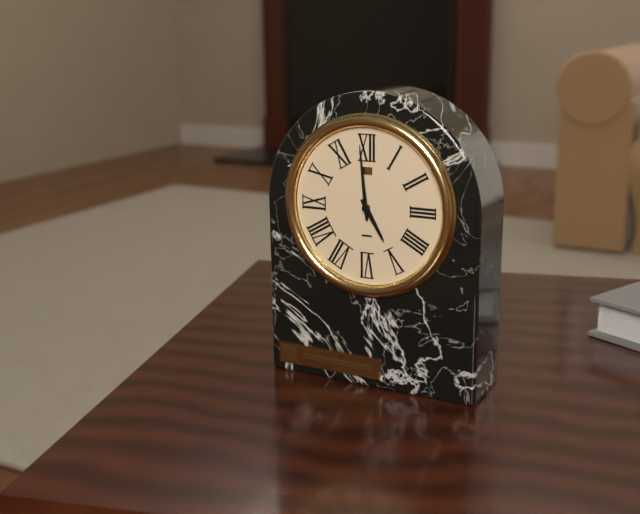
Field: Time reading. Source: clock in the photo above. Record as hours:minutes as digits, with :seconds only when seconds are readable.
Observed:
4:59
